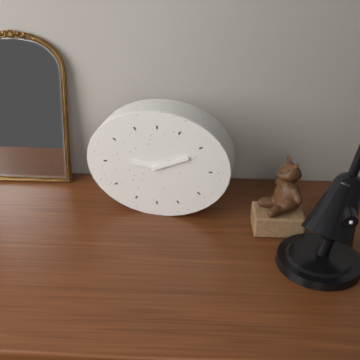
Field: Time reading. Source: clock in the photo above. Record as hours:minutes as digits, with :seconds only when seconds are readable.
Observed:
9:11
